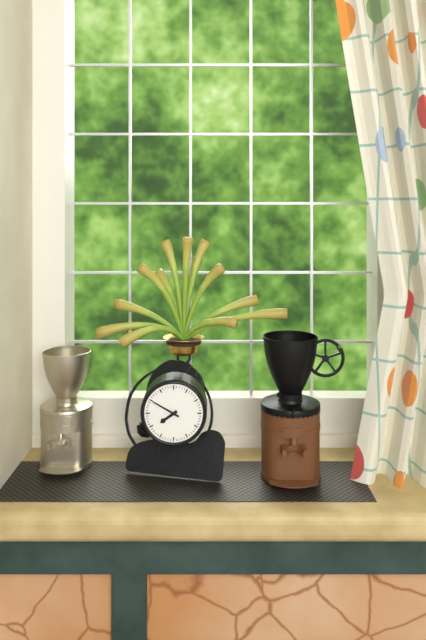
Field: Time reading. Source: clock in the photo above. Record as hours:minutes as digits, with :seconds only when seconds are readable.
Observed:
7:50
